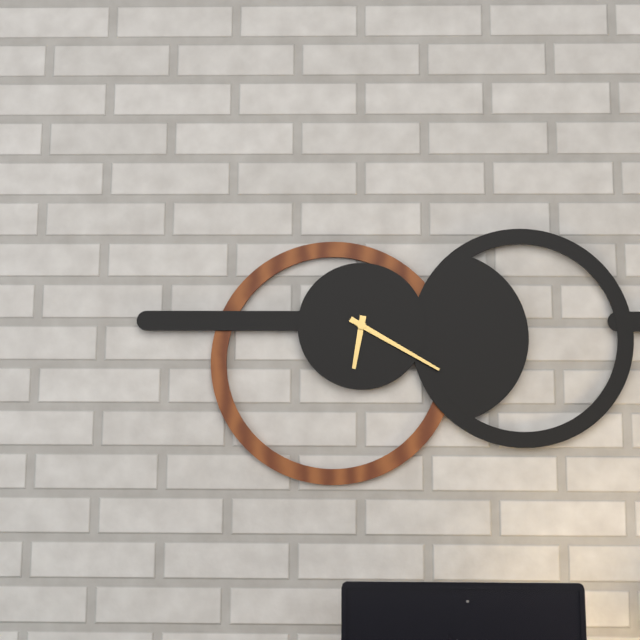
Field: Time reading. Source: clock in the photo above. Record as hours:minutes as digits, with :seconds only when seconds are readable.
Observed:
6:20
